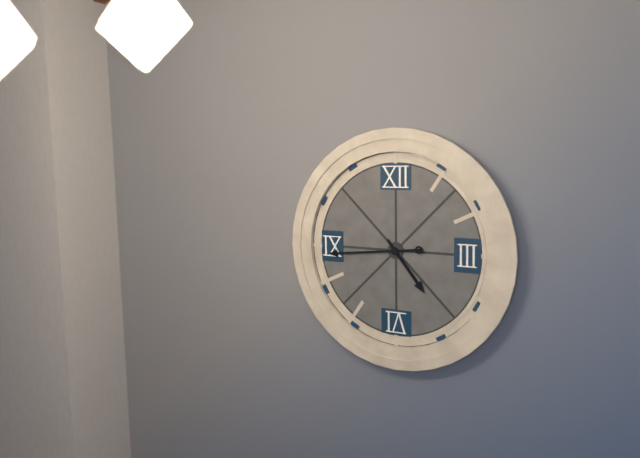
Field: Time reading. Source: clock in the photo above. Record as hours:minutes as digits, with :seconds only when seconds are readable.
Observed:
4:44
